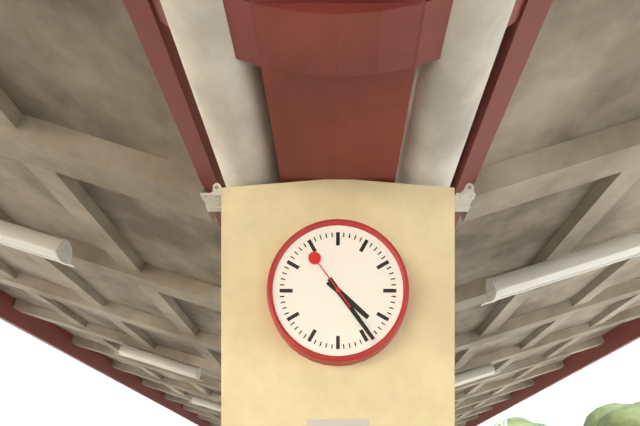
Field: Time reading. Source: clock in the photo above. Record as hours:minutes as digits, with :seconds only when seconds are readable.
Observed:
4:24:54
